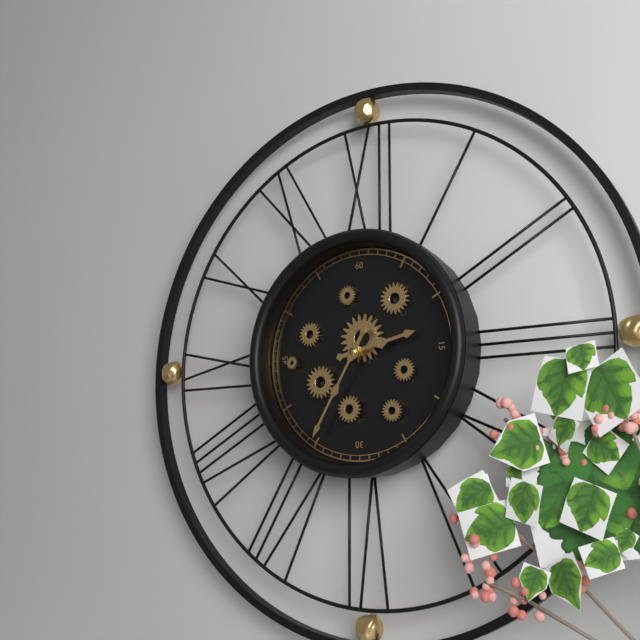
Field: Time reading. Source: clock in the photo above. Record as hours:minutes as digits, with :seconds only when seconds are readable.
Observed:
2:35
